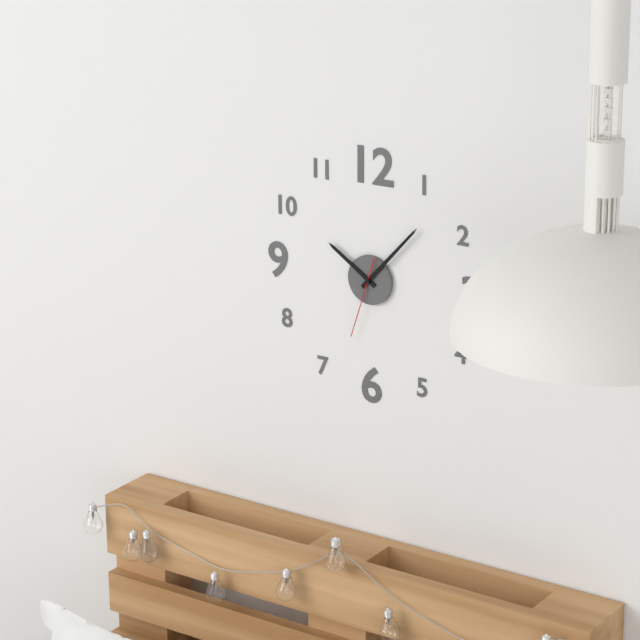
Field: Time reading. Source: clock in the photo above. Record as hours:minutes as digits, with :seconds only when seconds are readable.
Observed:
10:07:33
